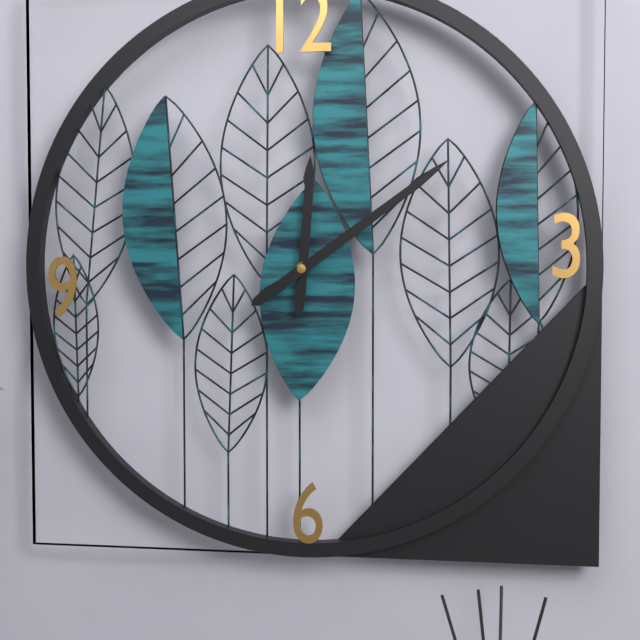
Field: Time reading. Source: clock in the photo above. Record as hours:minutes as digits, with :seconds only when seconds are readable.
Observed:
12:09
